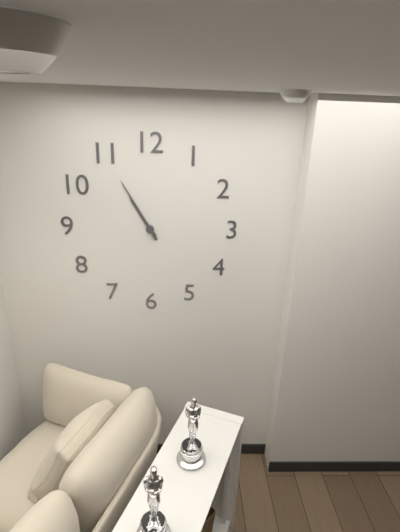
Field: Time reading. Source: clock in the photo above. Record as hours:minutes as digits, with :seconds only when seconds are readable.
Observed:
10:55
